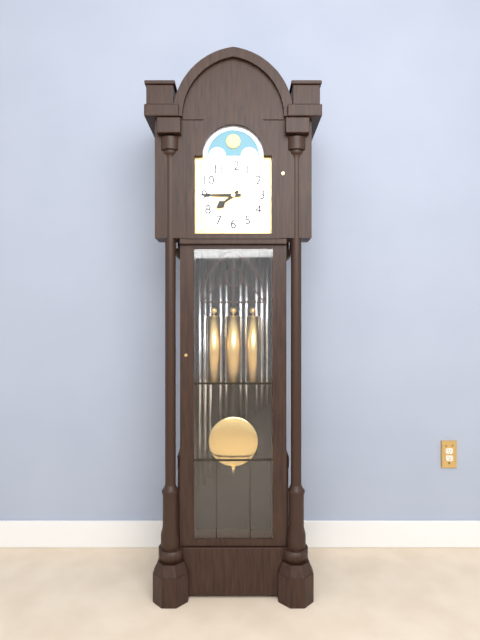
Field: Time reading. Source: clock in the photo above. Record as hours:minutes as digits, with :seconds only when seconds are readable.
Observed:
7:45
